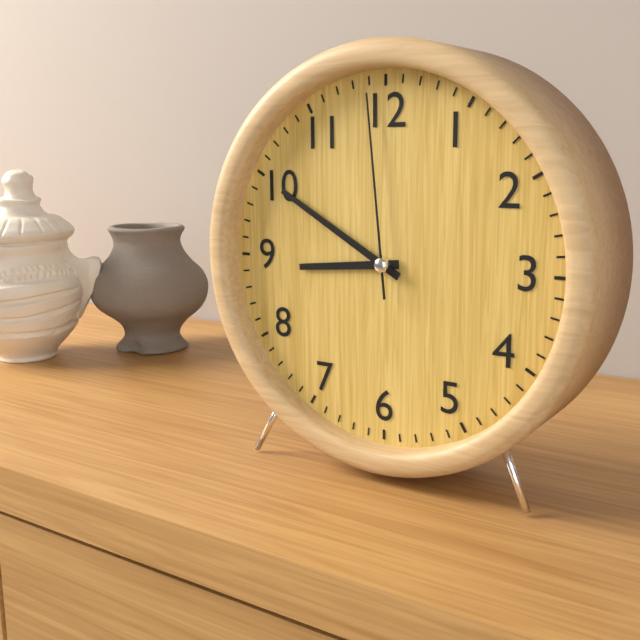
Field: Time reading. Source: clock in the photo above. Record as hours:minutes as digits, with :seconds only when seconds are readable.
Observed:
8:50:59
